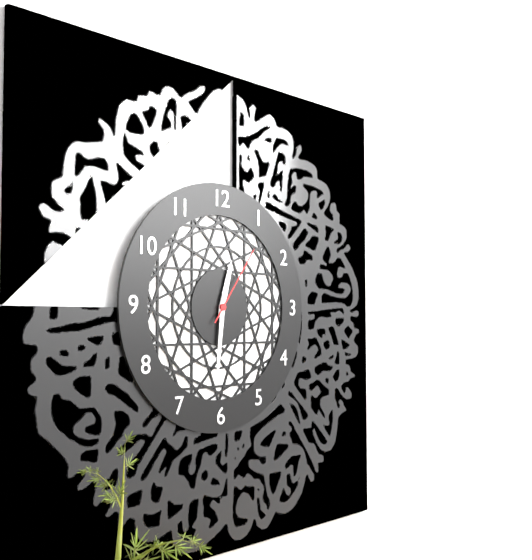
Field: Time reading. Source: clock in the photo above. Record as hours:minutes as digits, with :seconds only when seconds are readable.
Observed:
12:31:06
